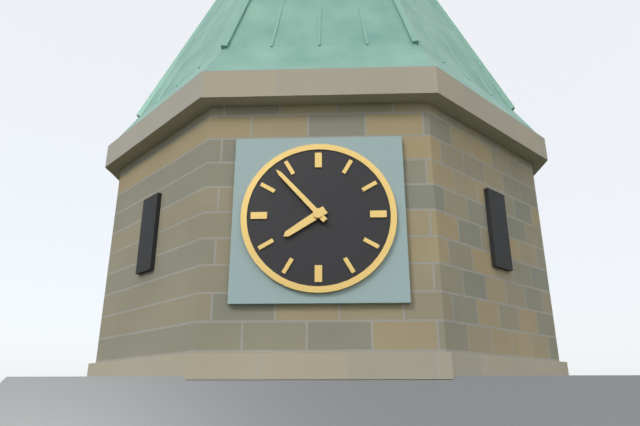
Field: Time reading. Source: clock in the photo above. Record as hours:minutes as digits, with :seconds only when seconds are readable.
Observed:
7:53
